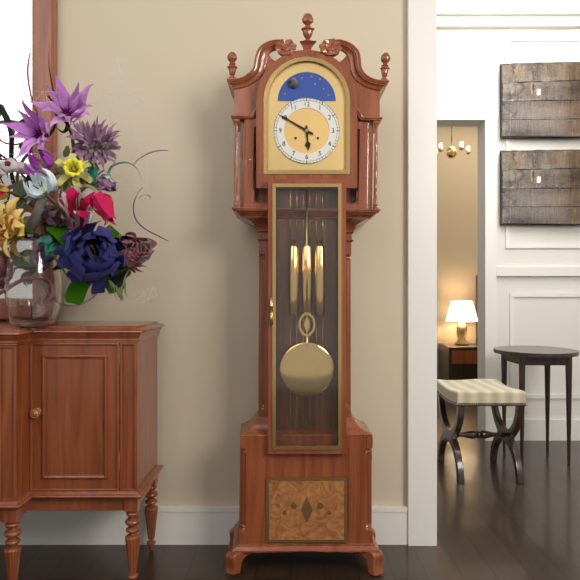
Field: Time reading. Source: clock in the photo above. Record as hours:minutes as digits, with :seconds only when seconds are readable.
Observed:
5:50
